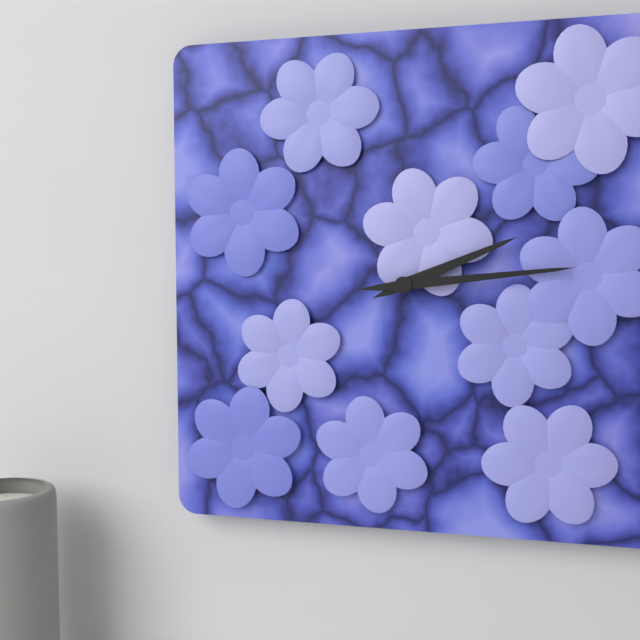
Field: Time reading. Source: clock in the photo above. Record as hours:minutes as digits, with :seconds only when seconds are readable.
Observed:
2:14
